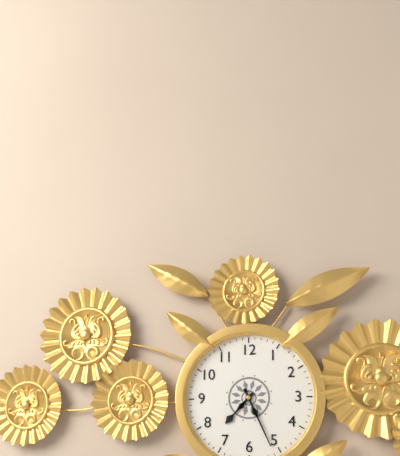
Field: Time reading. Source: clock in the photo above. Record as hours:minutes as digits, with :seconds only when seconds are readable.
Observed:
7:26
